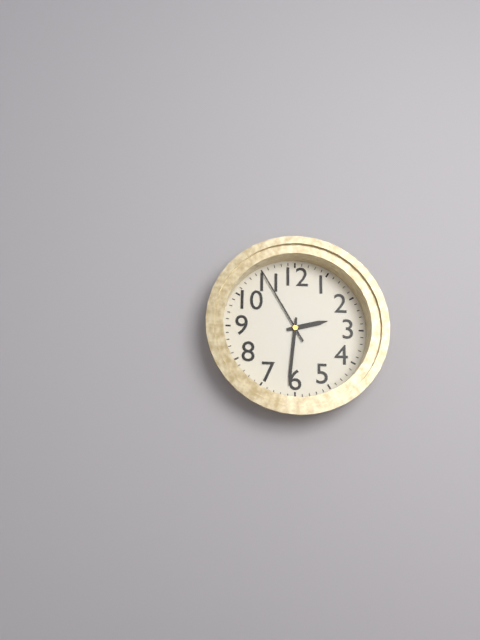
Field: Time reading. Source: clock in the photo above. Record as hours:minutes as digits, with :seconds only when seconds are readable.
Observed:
2:31:55
